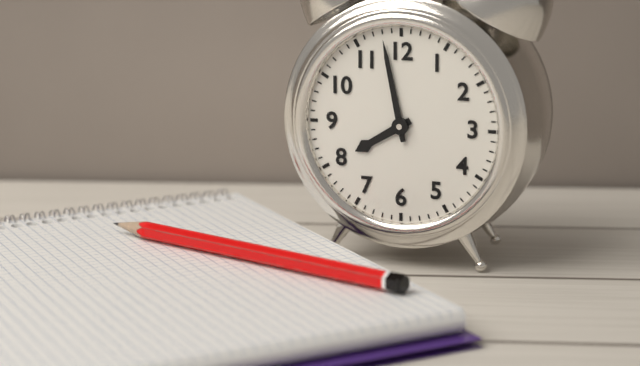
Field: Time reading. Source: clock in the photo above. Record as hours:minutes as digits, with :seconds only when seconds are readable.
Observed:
7:58
